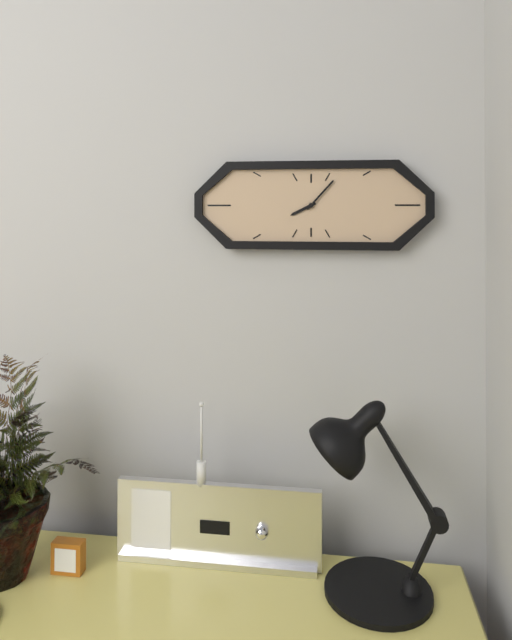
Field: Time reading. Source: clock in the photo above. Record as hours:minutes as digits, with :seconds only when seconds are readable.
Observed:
8:07
